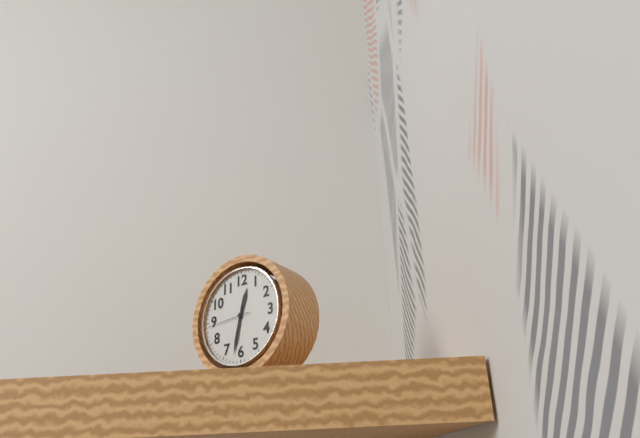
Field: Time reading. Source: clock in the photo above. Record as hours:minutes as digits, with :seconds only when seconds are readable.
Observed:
12:32
